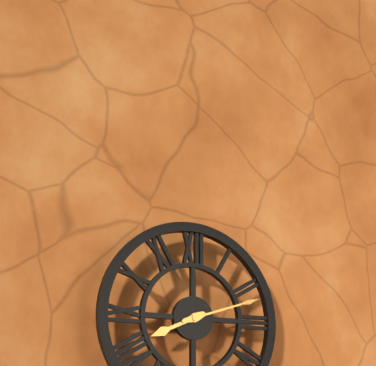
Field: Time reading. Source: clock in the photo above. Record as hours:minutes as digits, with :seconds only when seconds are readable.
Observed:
8:12
